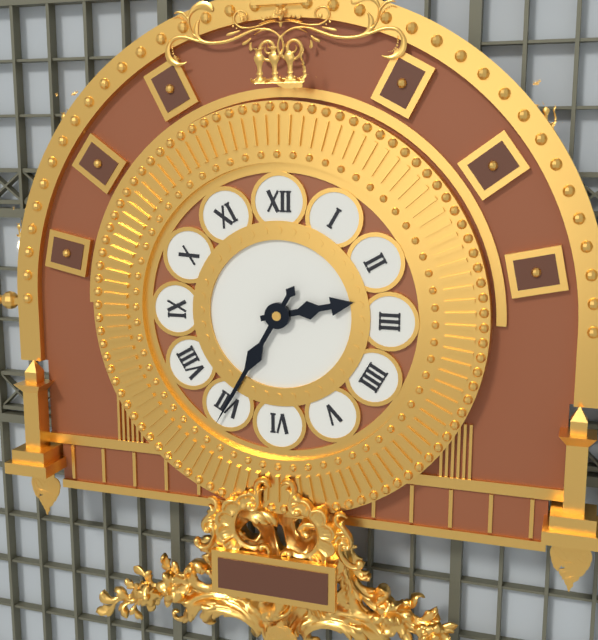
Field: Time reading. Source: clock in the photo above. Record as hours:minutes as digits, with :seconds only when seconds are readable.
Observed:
2:35
